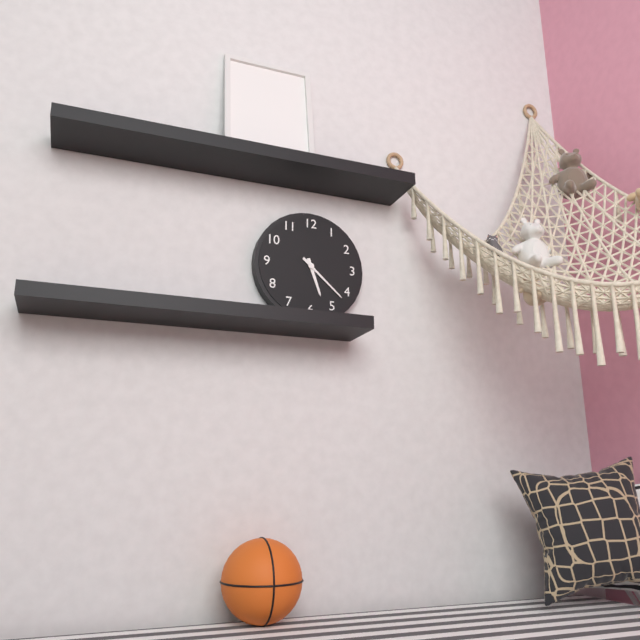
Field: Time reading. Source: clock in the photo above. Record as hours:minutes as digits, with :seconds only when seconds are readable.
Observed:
5:22
